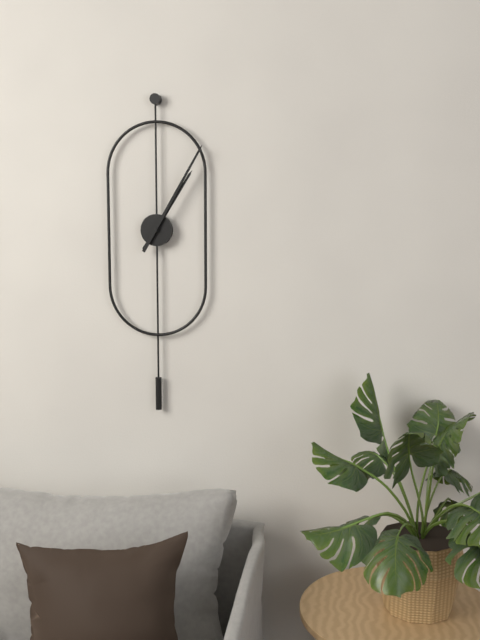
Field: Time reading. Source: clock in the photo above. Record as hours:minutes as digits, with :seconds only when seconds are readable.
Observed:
1:05
